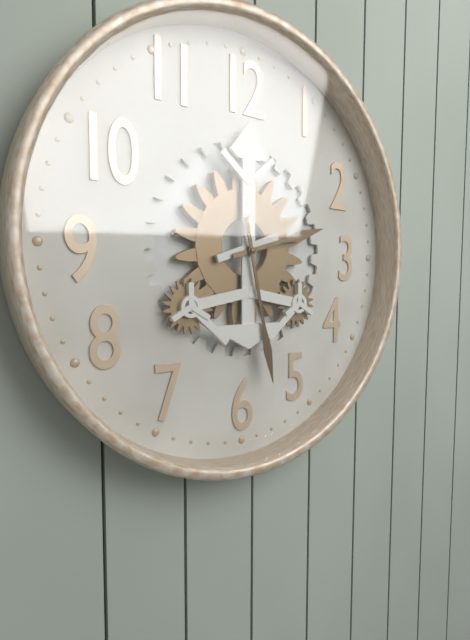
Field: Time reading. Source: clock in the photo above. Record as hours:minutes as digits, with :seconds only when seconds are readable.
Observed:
2:28
